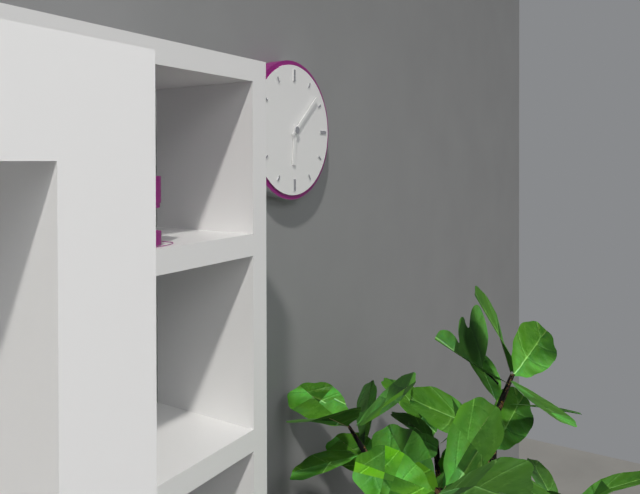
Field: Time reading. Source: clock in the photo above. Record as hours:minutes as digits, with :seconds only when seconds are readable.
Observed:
6:08
